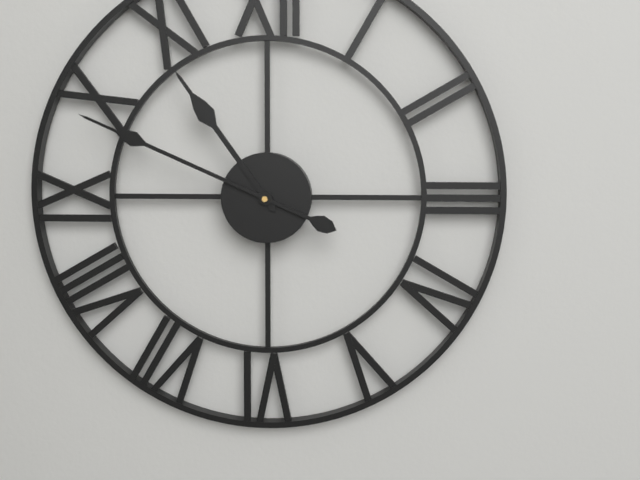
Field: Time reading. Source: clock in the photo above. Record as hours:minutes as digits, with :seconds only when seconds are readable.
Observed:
10:49
